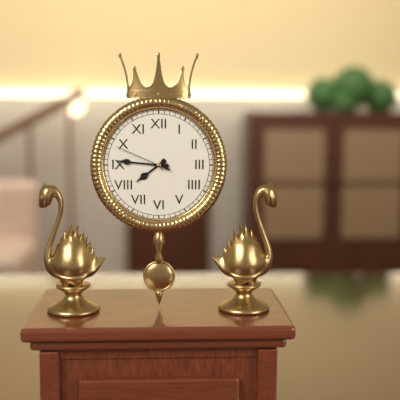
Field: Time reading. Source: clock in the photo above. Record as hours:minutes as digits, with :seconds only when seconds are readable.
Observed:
7:46:49
